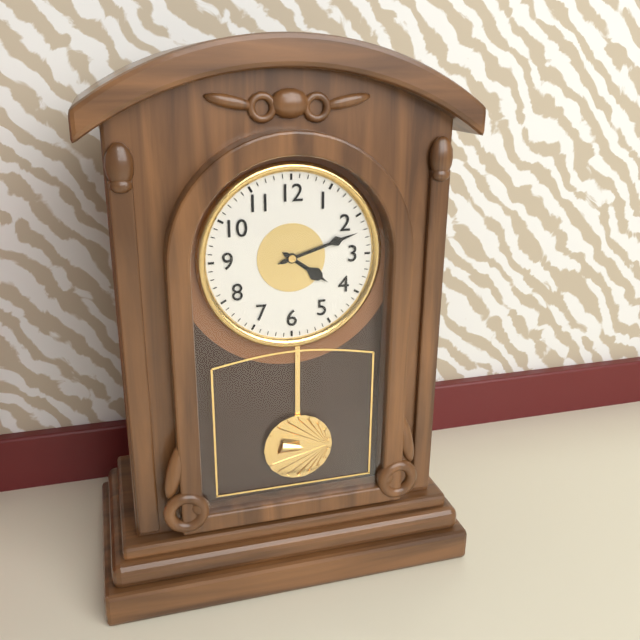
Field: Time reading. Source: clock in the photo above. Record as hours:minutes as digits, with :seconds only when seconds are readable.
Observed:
4:12
